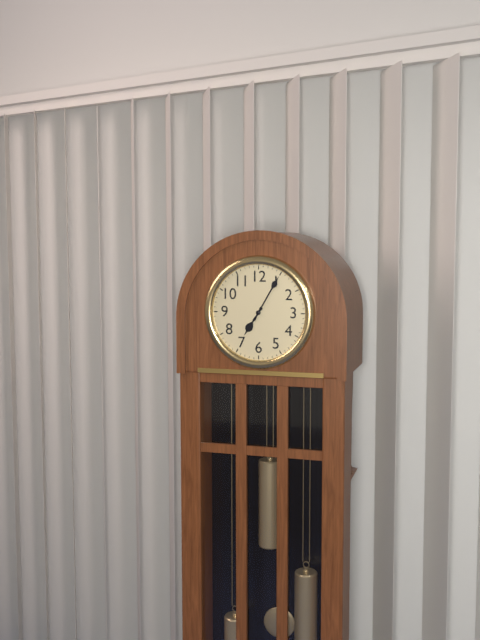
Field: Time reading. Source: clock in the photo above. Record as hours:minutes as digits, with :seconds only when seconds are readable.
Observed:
7:05
